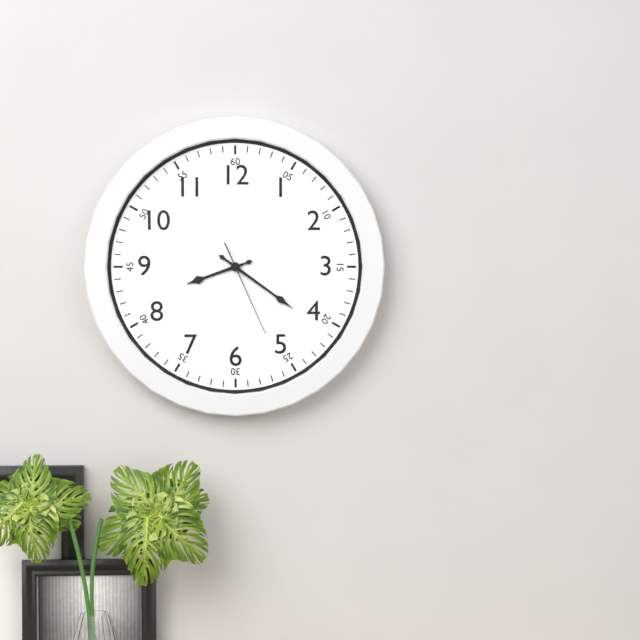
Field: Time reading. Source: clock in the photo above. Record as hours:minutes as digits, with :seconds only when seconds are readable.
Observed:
8:21:26
